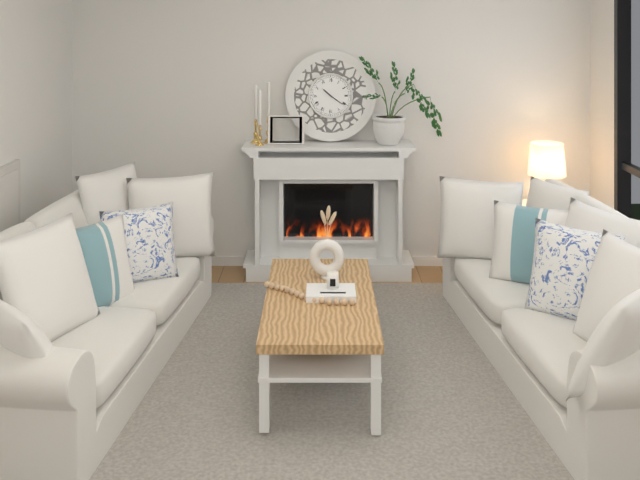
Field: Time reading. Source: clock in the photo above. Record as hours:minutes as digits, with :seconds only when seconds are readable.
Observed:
10:21
